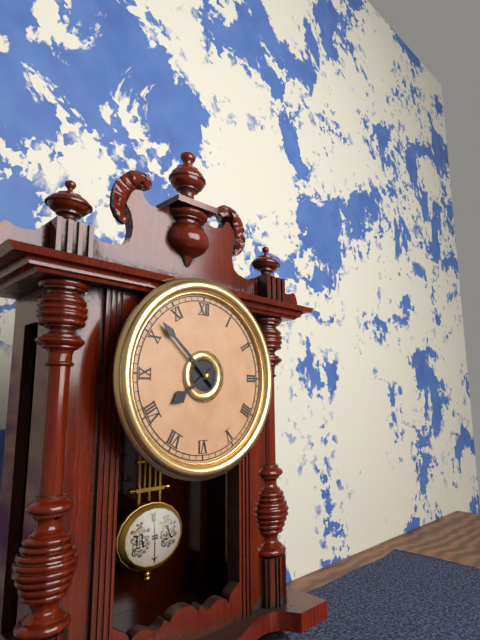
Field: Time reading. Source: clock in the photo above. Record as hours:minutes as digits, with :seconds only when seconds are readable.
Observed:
7:52
